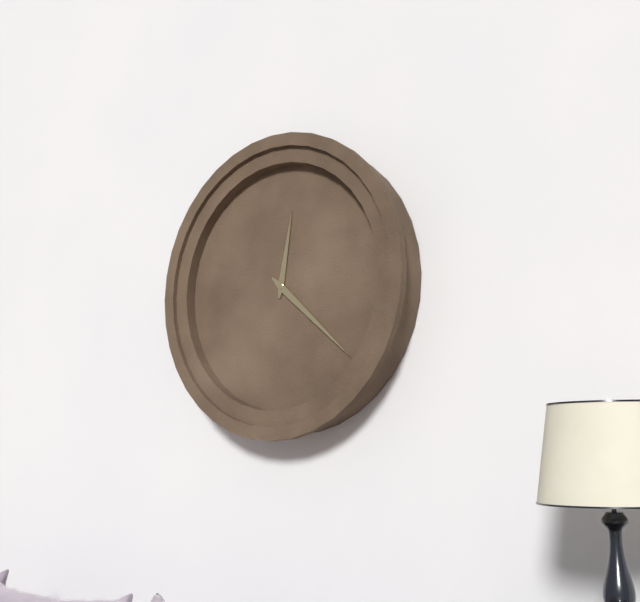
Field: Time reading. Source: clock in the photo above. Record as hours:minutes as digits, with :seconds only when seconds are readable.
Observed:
12:22
